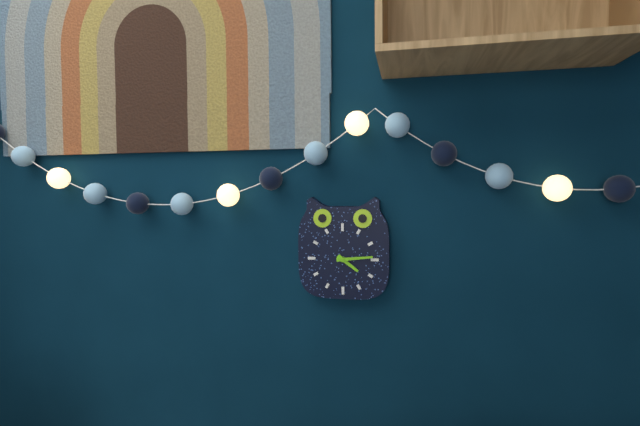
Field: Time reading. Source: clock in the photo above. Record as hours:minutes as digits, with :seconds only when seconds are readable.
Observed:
4:14
